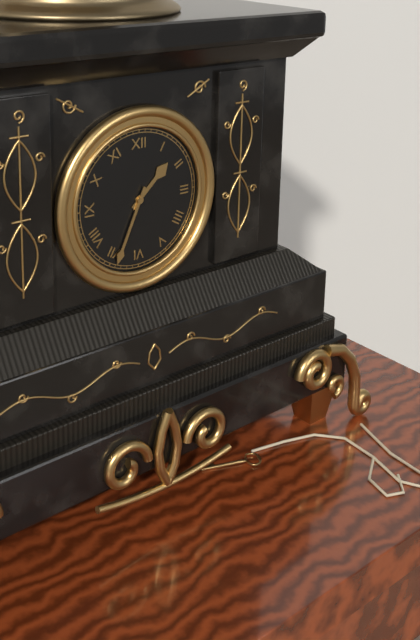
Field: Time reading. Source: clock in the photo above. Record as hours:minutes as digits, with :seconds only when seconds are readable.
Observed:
1:34
